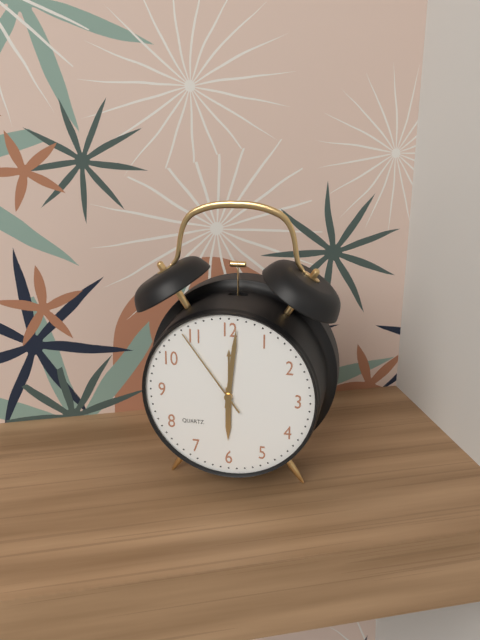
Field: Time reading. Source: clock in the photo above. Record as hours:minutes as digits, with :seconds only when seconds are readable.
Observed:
6:01:54
